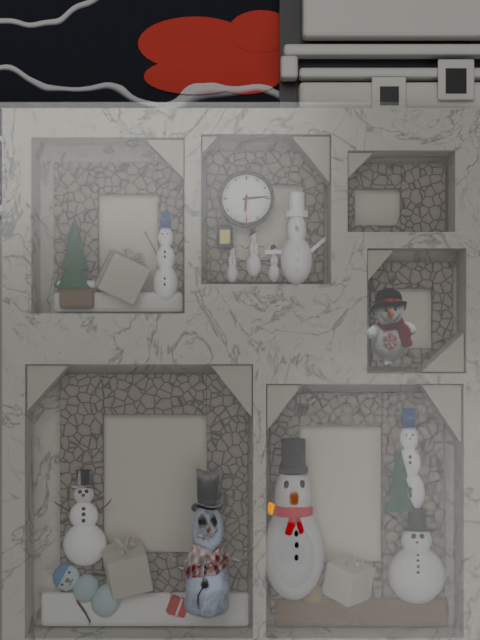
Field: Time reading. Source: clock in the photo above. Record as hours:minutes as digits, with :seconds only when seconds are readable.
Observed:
6:14
